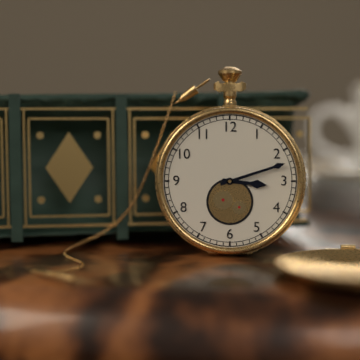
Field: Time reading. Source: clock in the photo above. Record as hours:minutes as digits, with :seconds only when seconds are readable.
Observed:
3:12
